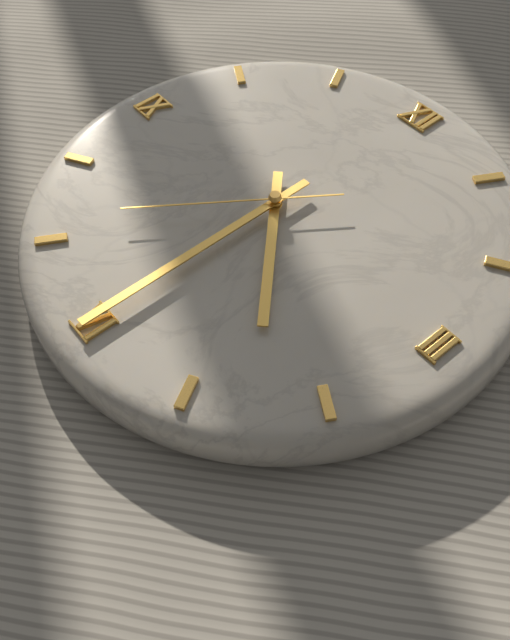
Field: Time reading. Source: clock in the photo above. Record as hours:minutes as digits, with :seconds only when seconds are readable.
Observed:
4:30:36
